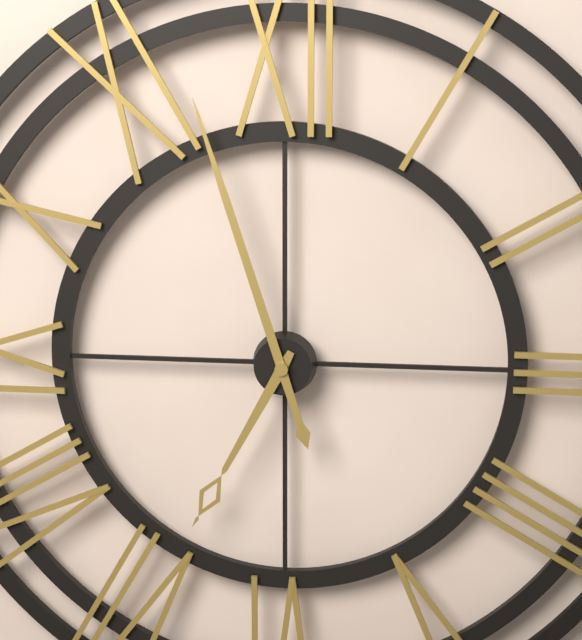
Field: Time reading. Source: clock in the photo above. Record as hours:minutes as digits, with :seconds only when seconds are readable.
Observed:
6:57
